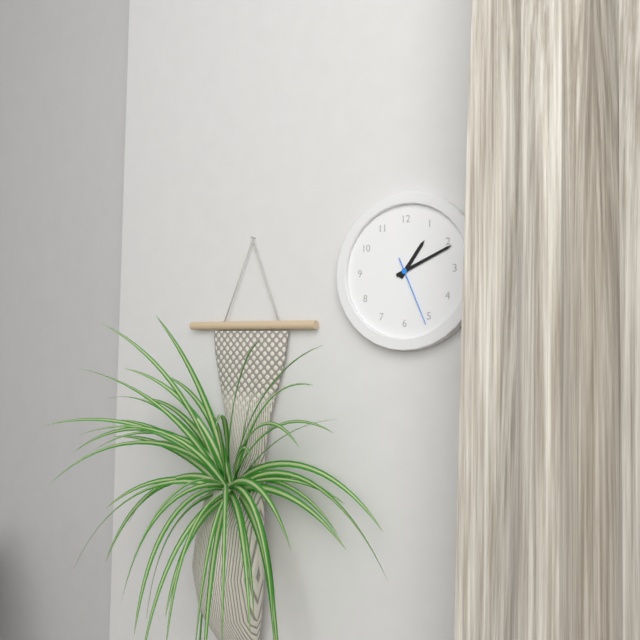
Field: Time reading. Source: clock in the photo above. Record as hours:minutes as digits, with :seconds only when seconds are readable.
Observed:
1:11:26
